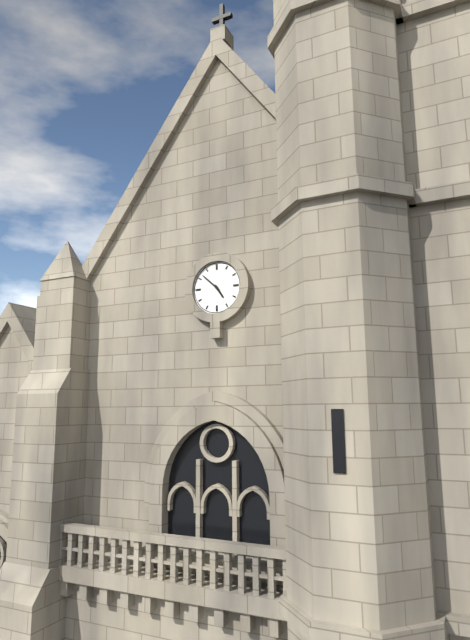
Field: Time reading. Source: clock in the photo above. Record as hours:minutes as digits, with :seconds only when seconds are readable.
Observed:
4:52
